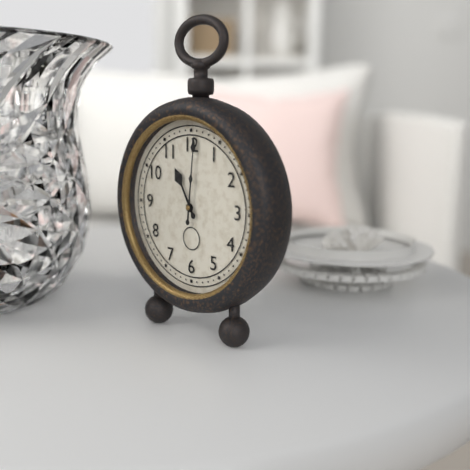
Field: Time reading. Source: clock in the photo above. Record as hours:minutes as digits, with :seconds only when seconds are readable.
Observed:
11:01
